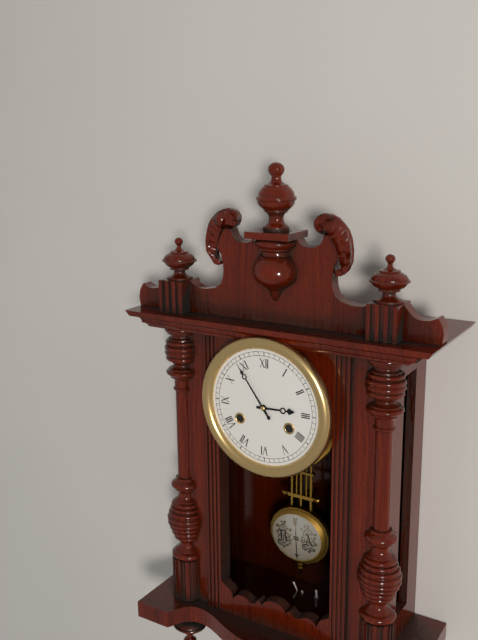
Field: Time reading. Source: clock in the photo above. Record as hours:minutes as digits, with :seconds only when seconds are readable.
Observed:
2:54
